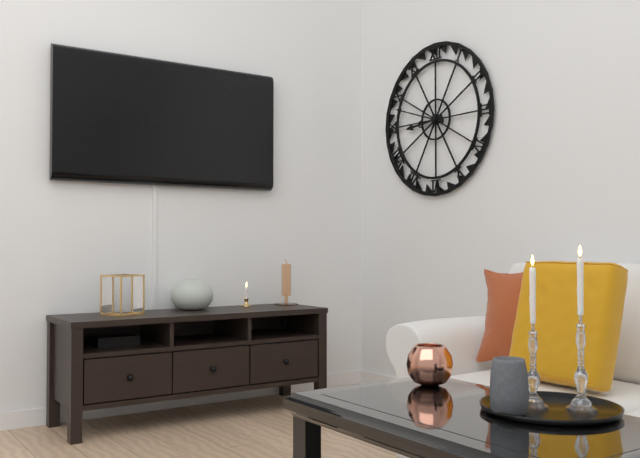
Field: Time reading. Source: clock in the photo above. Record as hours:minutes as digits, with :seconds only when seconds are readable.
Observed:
8:48
